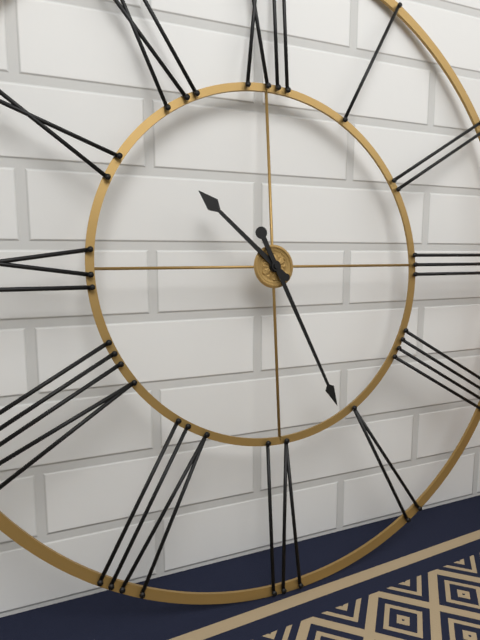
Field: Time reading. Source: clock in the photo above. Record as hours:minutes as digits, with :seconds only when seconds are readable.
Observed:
10:26
